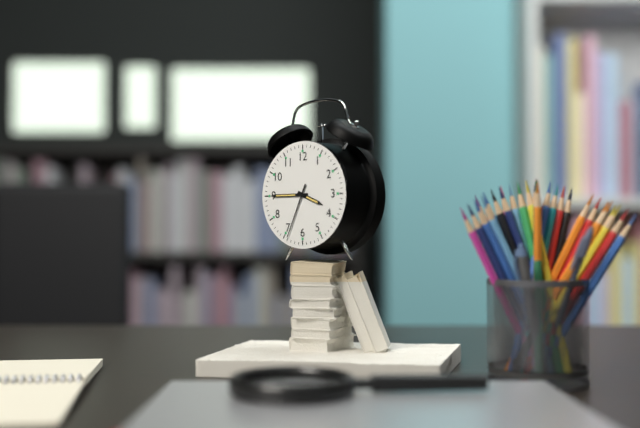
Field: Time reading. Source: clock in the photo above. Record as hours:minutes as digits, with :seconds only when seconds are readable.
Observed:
3:45:34
